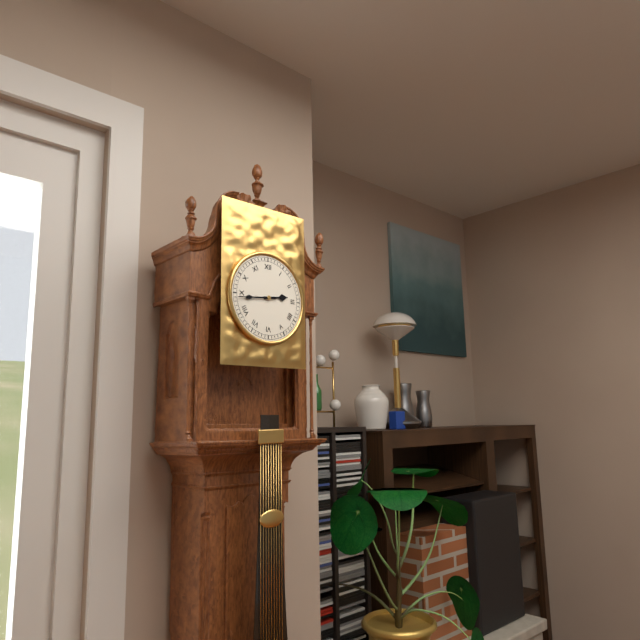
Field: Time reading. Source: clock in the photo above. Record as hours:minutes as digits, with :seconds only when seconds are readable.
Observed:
2:44
